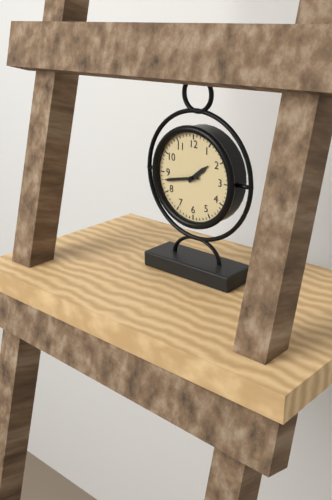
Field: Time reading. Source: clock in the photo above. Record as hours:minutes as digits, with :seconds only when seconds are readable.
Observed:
1:43
